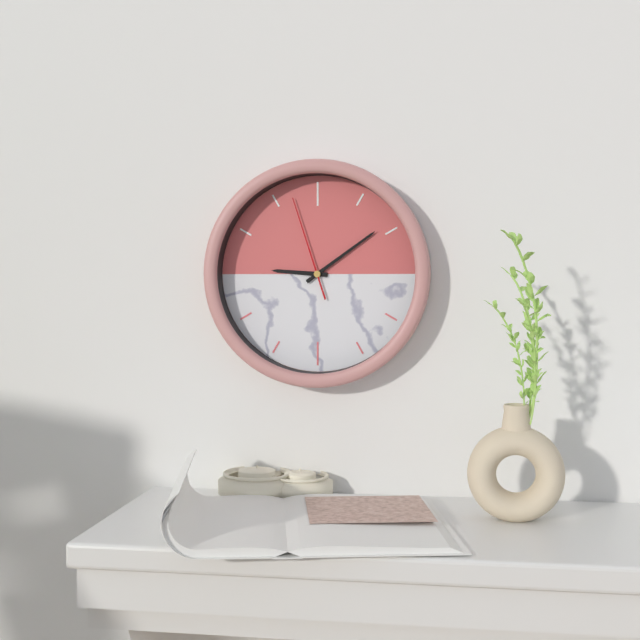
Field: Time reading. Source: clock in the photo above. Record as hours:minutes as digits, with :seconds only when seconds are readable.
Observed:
9:09:57
